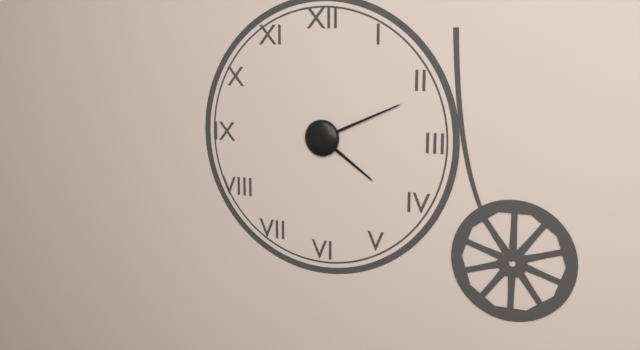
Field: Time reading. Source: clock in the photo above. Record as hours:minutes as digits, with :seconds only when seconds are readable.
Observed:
4:11
